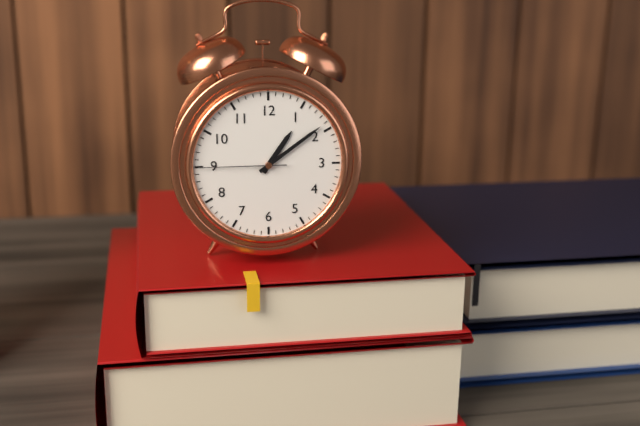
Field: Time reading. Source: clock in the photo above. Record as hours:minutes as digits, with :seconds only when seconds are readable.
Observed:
1:09:45
